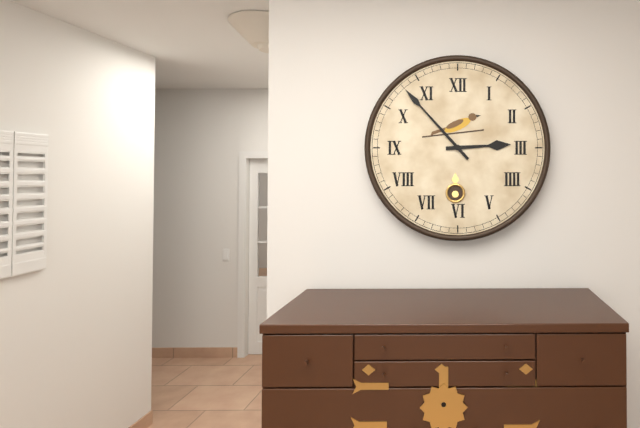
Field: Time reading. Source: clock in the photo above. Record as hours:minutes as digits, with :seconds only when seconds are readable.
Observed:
2:53
